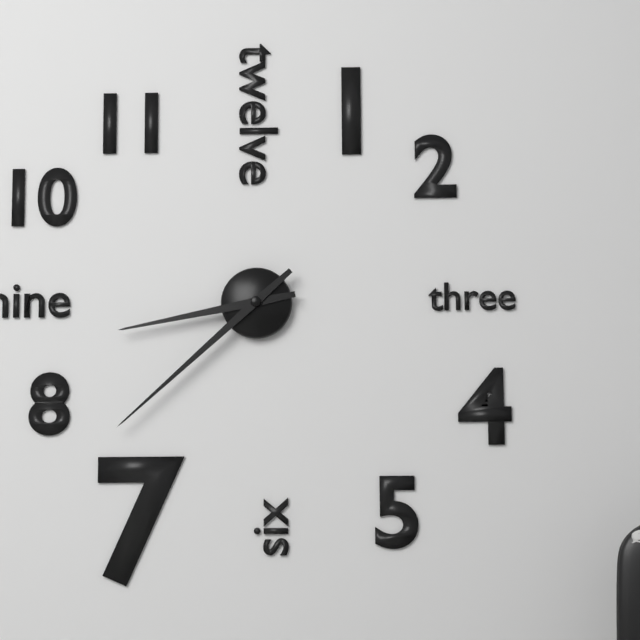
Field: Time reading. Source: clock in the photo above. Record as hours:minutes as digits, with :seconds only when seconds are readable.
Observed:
8:38
